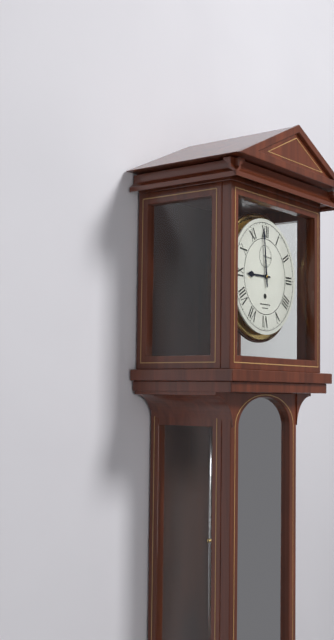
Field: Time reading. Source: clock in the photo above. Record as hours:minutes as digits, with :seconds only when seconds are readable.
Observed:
8:59
